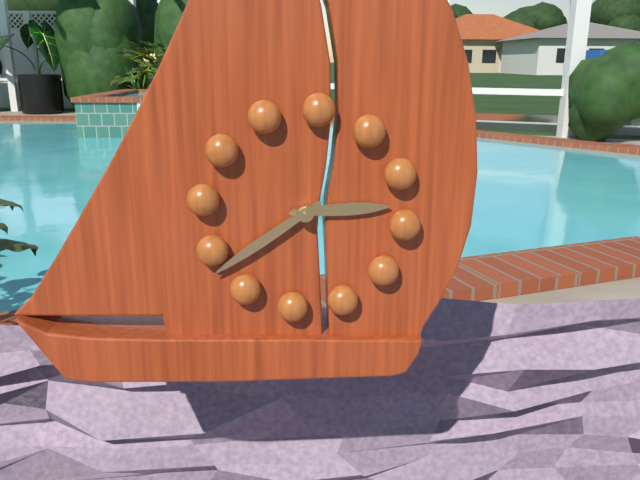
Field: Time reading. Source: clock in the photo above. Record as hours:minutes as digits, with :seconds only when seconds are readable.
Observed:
2:38
